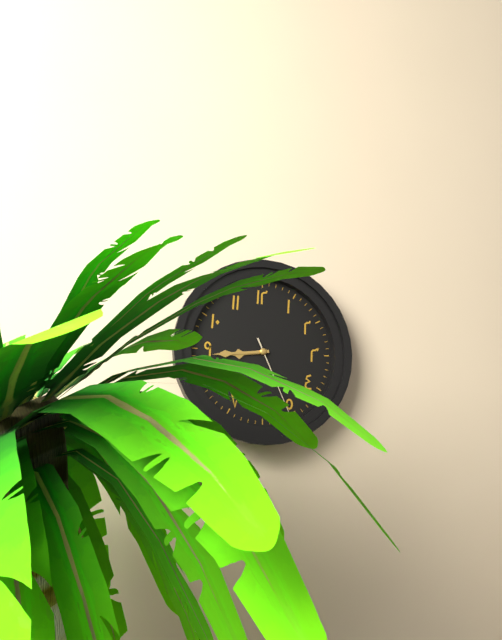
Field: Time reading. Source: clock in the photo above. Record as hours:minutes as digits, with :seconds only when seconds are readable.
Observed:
8:44:26
